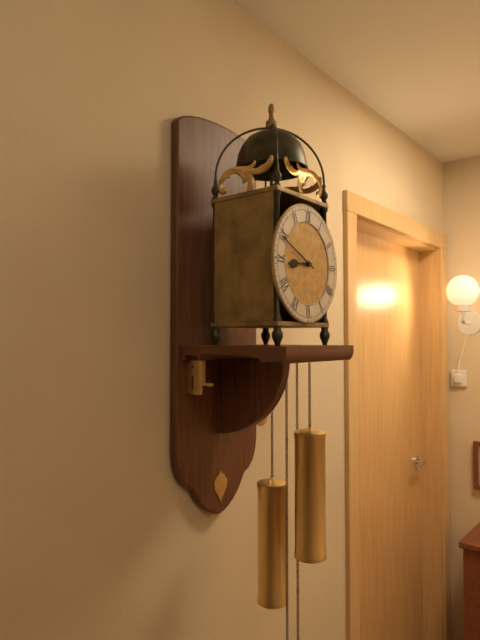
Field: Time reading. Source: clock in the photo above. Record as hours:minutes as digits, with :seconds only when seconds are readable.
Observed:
8:49
